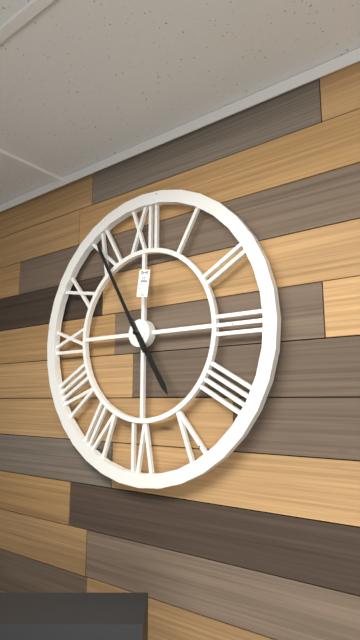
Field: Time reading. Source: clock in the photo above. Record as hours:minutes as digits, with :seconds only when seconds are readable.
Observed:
4:55
